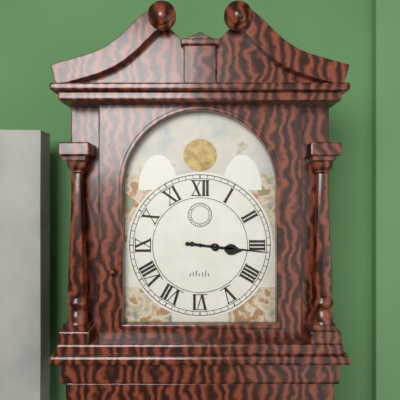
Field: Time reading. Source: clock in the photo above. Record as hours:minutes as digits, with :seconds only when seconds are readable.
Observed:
3:16
